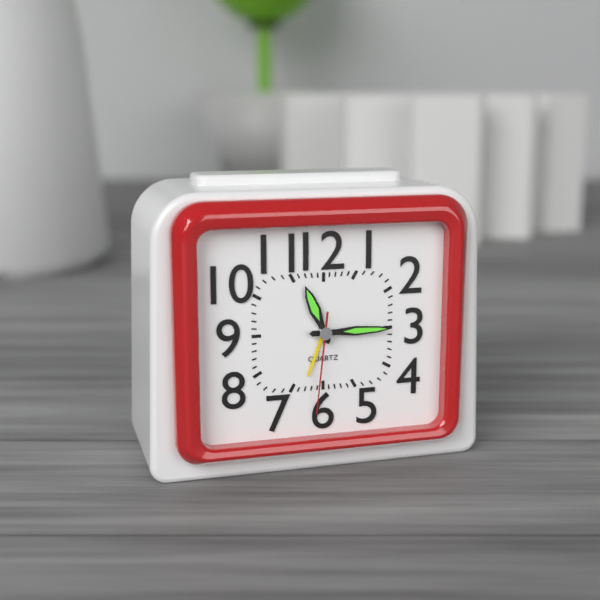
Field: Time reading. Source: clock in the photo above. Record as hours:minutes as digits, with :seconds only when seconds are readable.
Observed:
11:15:31
